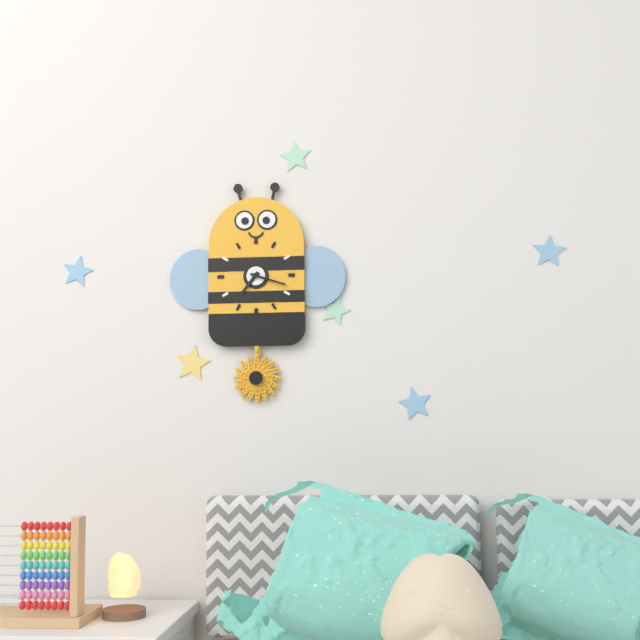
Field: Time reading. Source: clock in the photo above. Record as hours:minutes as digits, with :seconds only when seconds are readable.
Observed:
7:18
